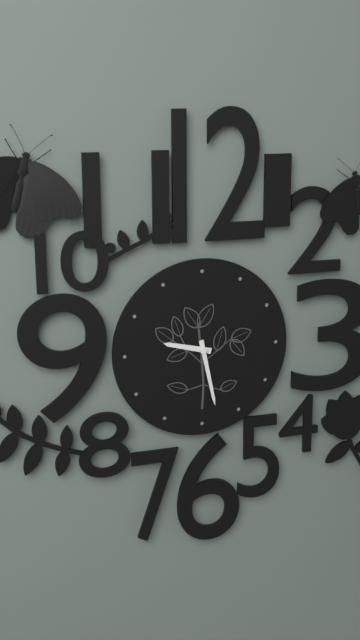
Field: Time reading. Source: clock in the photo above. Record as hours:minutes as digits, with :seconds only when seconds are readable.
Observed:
9:28
